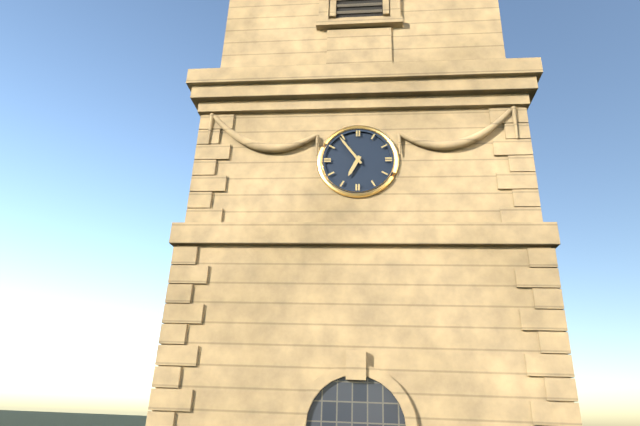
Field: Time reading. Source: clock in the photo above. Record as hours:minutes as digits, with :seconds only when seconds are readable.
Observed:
6:54
